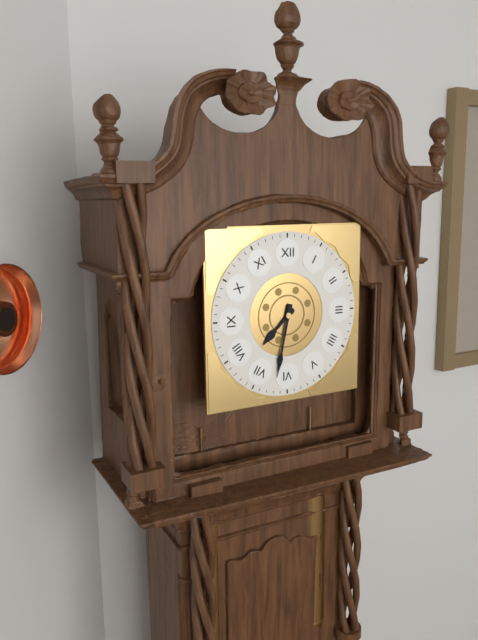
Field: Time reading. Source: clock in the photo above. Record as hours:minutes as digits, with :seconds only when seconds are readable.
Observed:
7:32
